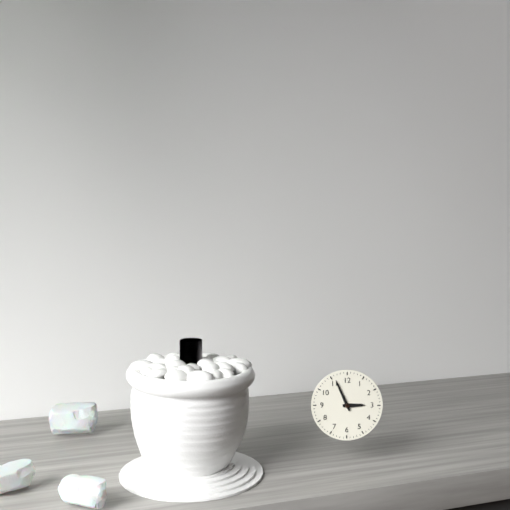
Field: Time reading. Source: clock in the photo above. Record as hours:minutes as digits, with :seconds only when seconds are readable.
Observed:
2:56
